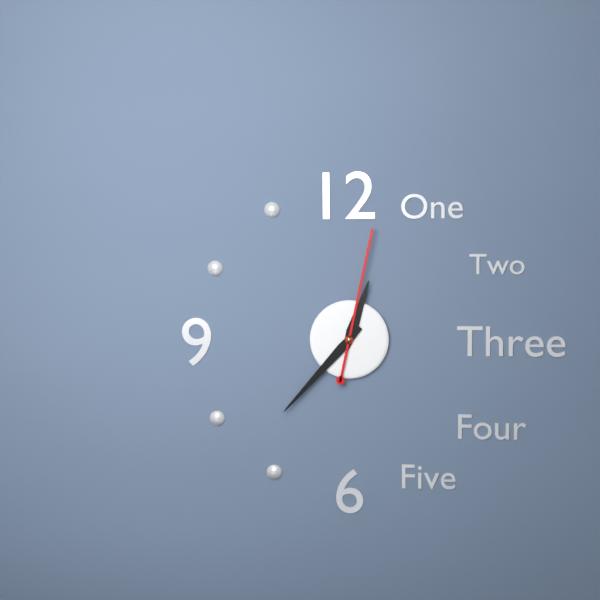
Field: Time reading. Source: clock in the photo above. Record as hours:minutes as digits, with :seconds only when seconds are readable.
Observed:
12:37:02
